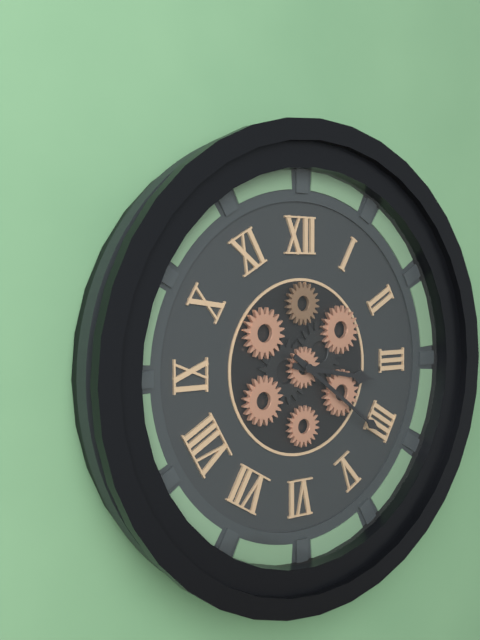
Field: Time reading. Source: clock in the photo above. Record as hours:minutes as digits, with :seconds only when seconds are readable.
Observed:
3:21
